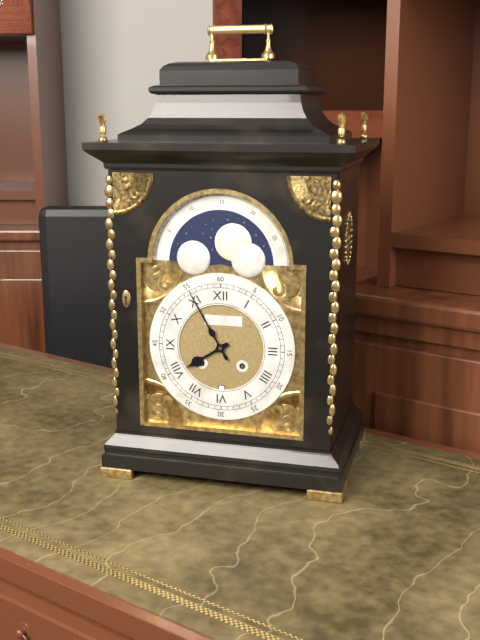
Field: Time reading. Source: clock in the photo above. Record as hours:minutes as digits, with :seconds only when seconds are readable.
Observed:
7:55
